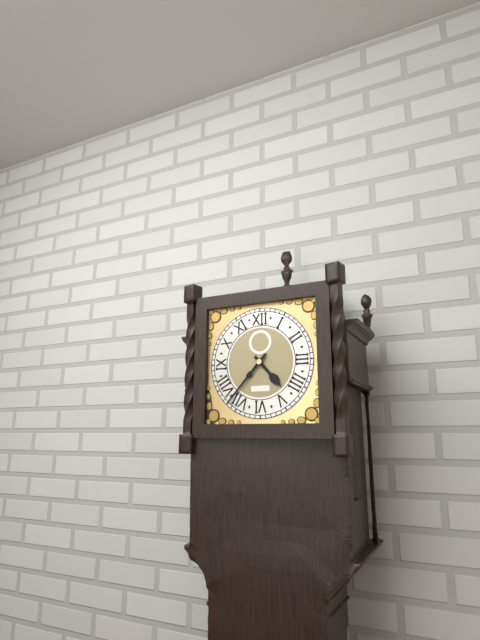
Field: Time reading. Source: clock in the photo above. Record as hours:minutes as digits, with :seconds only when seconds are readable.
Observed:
4:37
